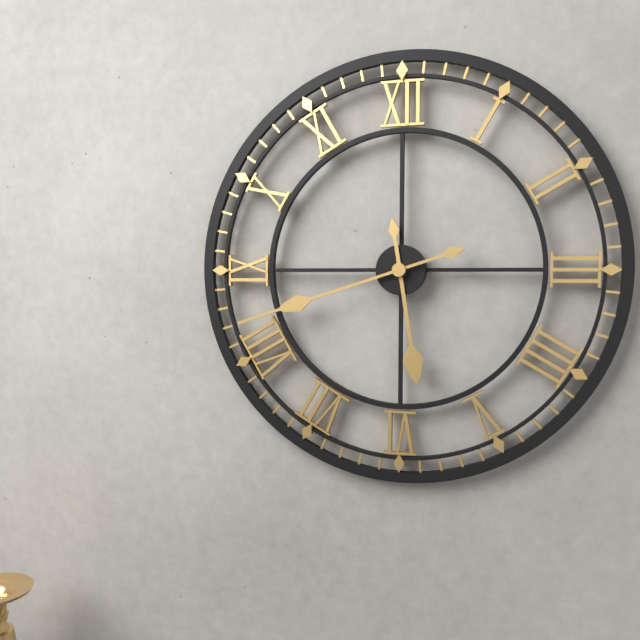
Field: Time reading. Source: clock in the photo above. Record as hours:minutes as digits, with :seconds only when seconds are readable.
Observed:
5:42
